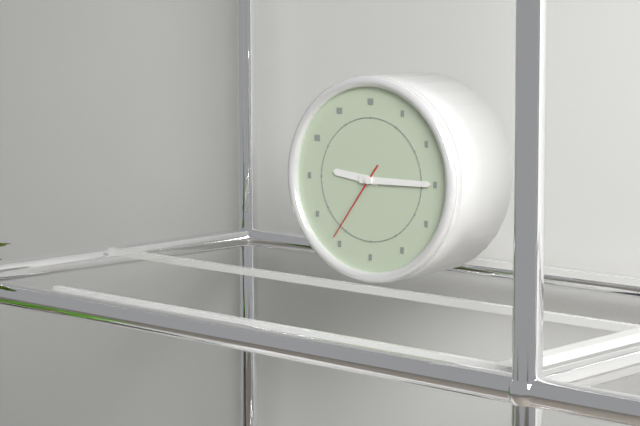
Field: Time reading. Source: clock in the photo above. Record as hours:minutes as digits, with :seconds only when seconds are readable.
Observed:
9:15:36
